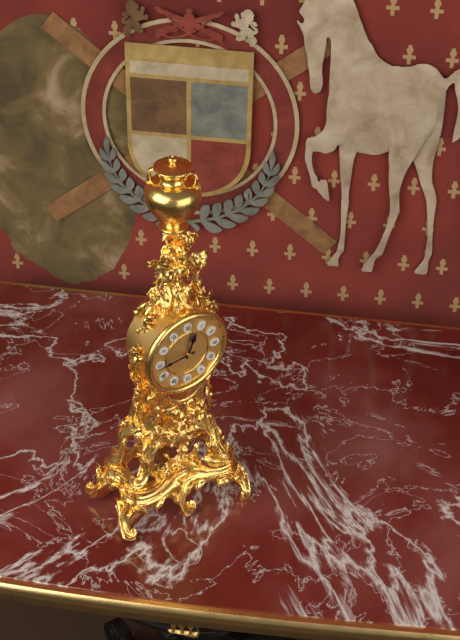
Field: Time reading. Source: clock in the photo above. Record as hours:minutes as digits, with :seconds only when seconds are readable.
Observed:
12:44
